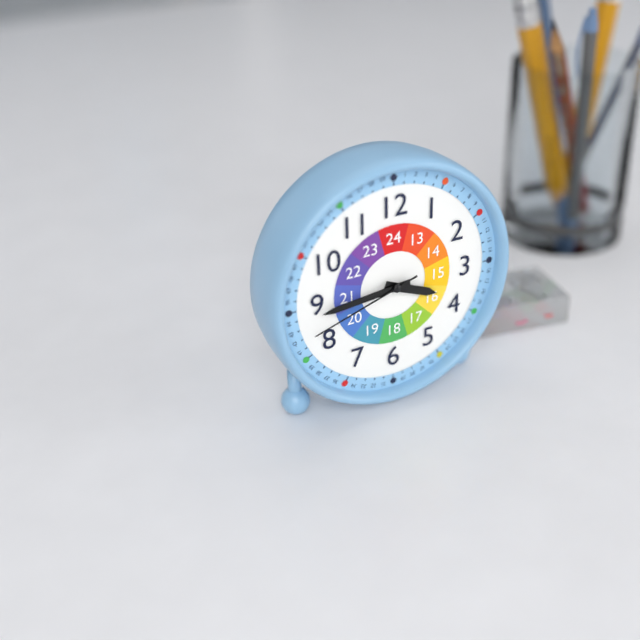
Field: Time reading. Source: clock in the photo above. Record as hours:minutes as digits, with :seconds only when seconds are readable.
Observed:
3:44:42
